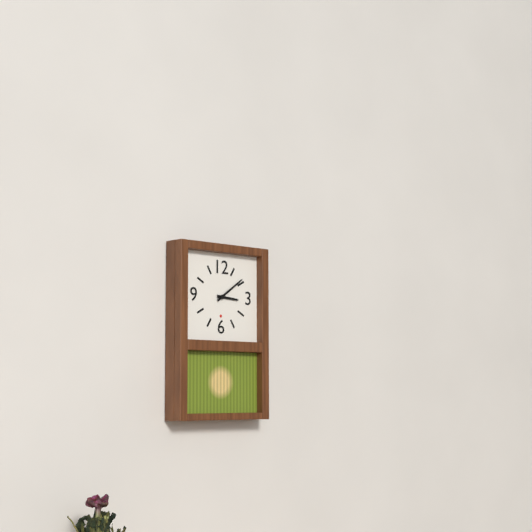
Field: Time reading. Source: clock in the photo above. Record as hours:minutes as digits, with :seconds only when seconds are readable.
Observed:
3:09
